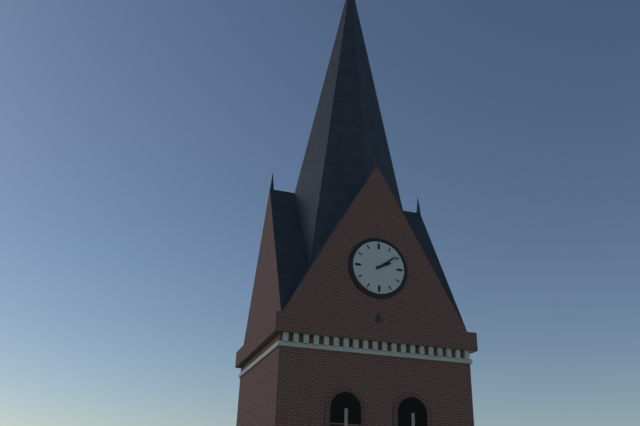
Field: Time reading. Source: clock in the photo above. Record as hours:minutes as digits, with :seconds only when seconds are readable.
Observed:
2:09
